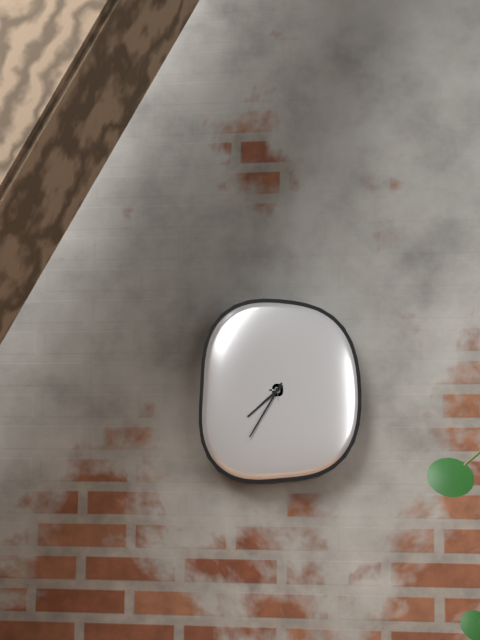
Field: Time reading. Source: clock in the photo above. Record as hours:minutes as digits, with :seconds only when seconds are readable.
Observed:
7:35
